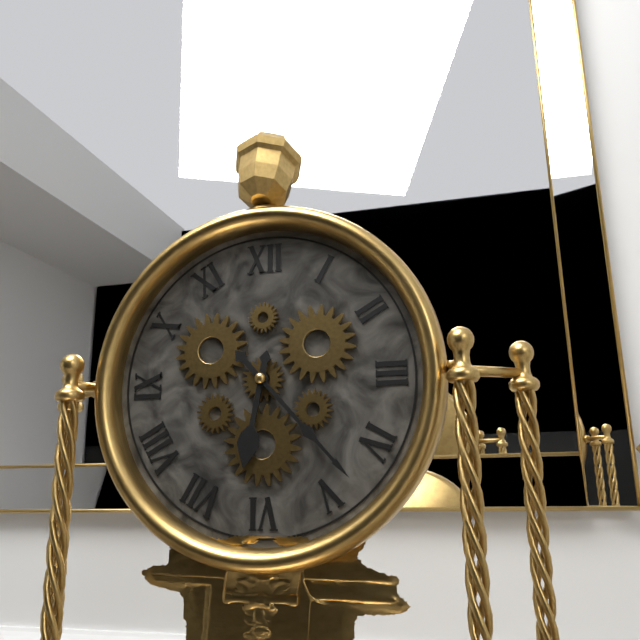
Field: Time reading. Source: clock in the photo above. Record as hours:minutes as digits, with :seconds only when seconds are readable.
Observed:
6:23
